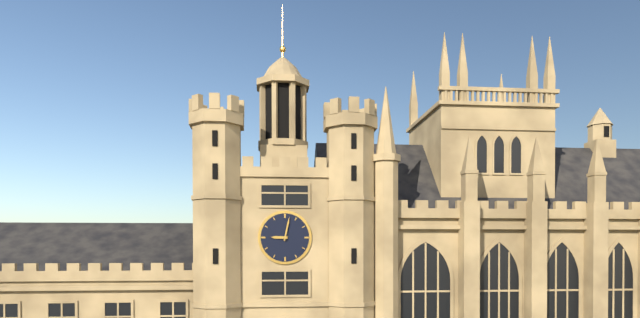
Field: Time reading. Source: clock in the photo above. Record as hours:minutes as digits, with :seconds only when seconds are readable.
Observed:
9:02
